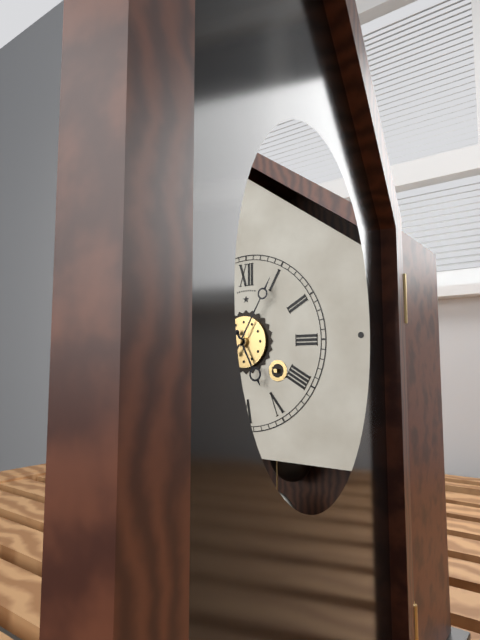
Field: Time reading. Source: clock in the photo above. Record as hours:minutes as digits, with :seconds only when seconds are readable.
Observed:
5:05
